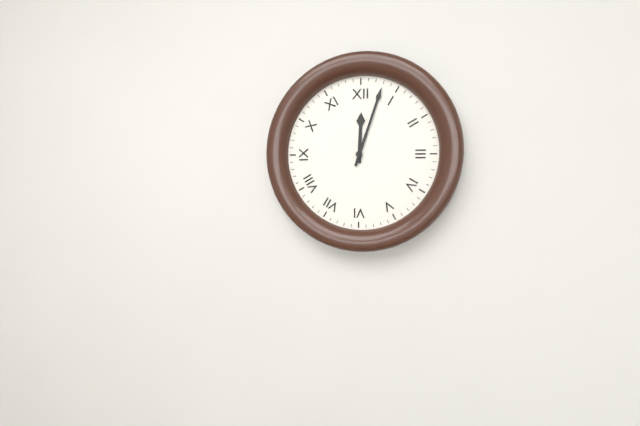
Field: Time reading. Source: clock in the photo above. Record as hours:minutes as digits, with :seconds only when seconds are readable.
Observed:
12:03
